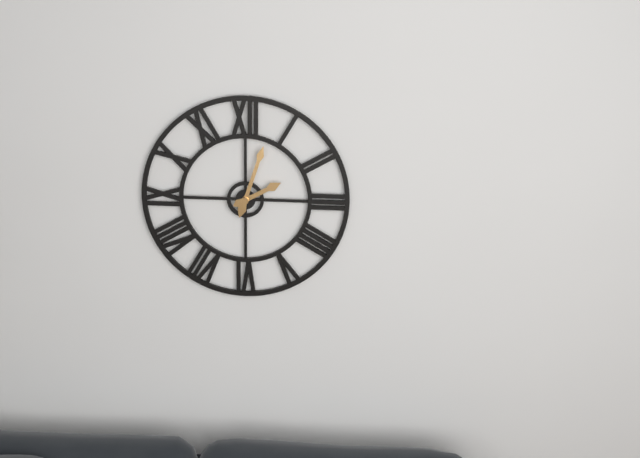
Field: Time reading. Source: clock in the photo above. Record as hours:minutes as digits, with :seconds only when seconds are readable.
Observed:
2:03
